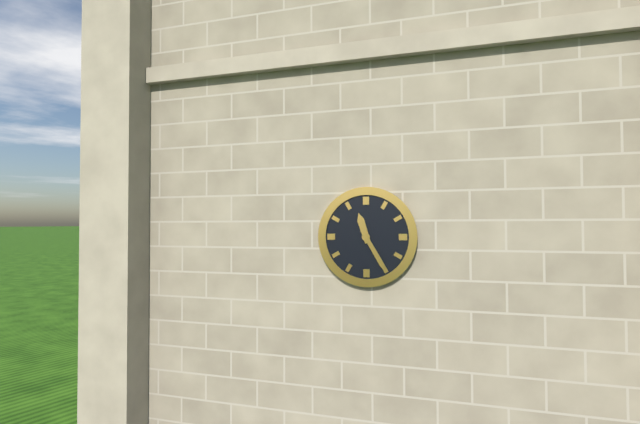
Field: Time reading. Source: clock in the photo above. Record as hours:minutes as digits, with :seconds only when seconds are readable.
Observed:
11:25
